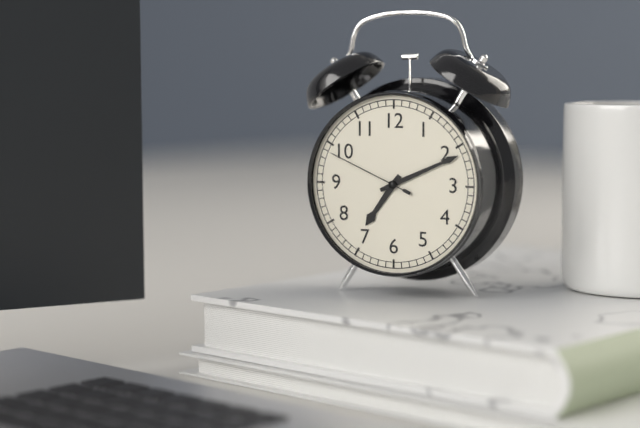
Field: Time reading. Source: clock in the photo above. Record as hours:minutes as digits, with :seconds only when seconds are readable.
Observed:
7:11:49
